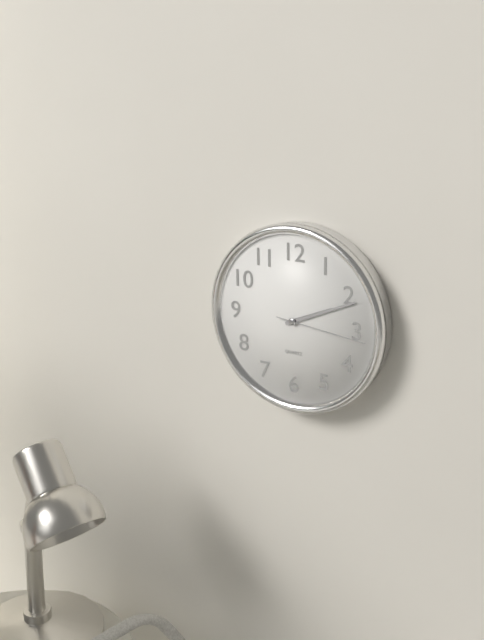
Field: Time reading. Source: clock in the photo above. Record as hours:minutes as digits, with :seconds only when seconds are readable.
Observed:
2:11:16
